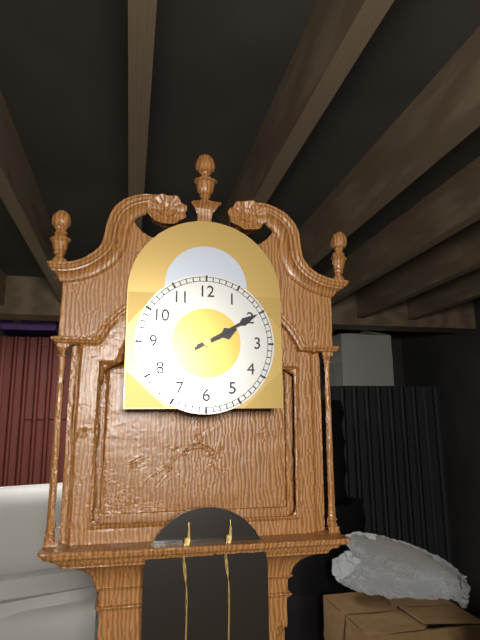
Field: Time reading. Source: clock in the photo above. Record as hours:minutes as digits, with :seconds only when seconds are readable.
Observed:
2:10
